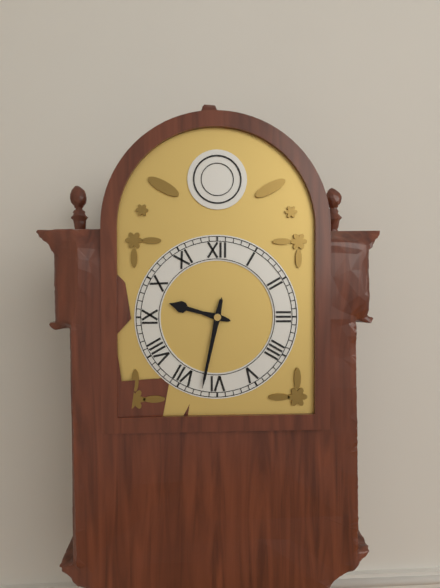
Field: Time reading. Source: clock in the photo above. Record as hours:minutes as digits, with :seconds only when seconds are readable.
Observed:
9:32
